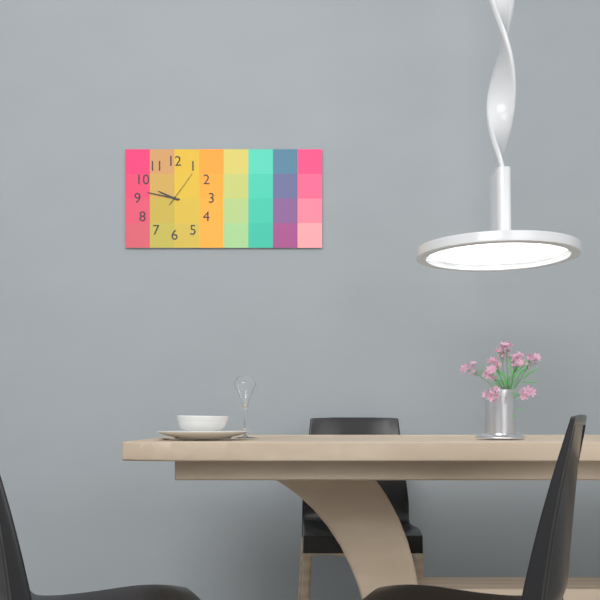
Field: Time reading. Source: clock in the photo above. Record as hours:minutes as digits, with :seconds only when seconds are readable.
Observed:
9:47
